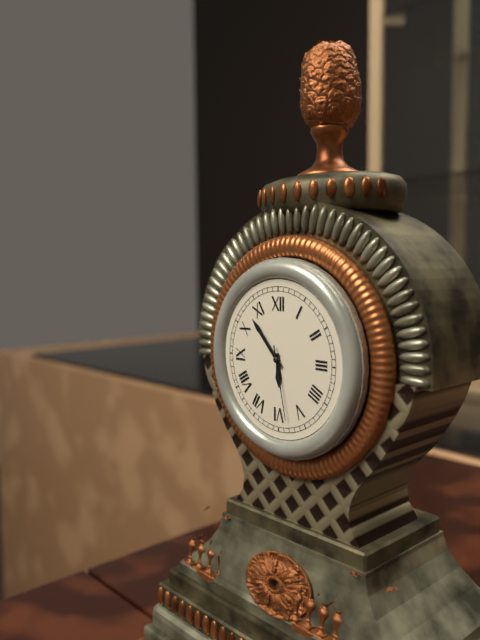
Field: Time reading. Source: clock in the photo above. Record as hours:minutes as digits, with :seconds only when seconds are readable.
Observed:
5:53:28
